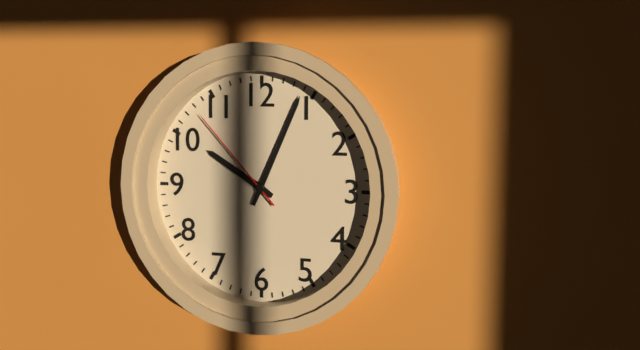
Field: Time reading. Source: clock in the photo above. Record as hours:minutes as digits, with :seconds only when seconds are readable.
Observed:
10:04:53
